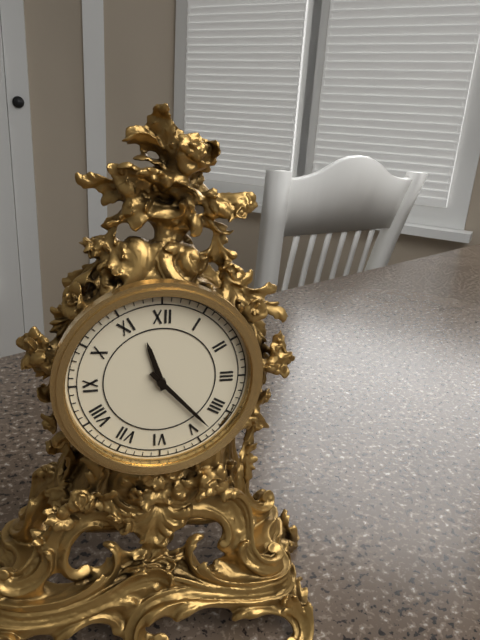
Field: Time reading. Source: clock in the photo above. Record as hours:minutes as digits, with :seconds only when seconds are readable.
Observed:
11:23
